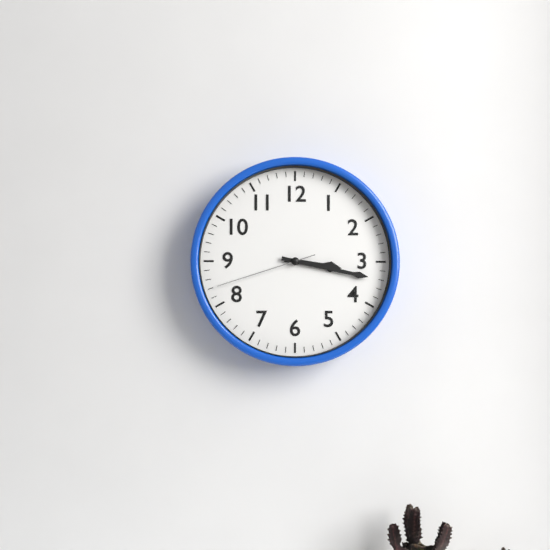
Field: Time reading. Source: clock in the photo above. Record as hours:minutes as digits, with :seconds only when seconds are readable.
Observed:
3:17:42
